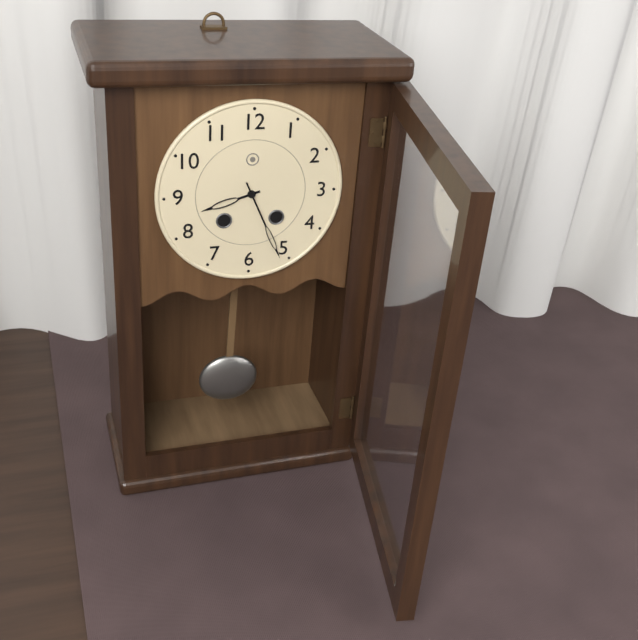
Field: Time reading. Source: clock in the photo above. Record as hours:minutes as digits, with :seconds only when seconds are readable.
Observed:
8:26
